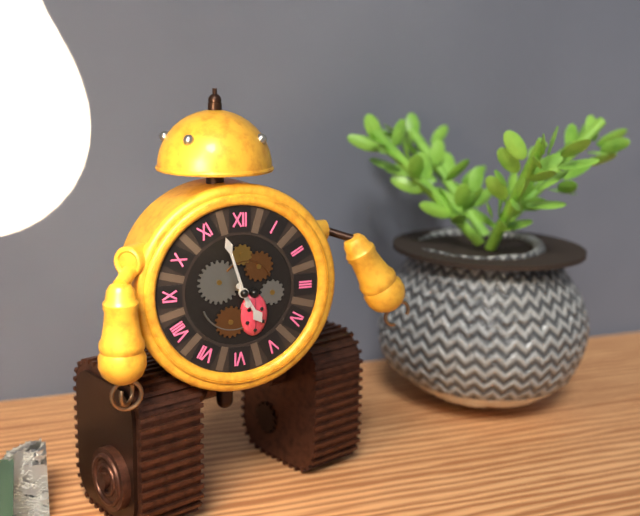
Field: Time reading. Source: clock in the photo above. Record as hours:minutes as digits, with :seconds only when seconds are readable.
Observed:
4:57
